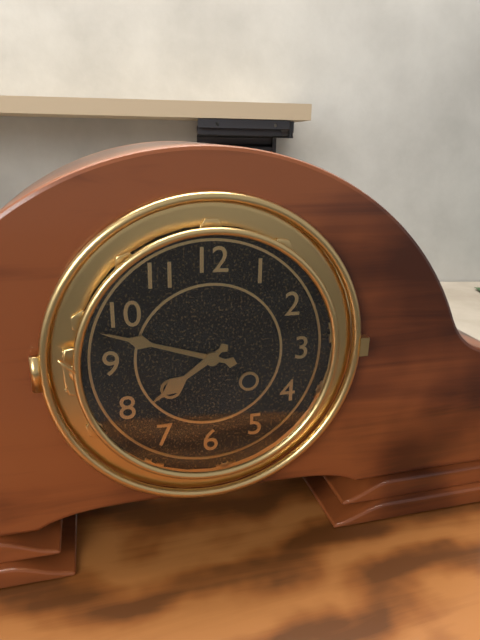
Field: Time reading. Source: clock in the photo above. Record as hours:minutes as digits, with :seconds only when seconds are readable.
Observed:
7:48
